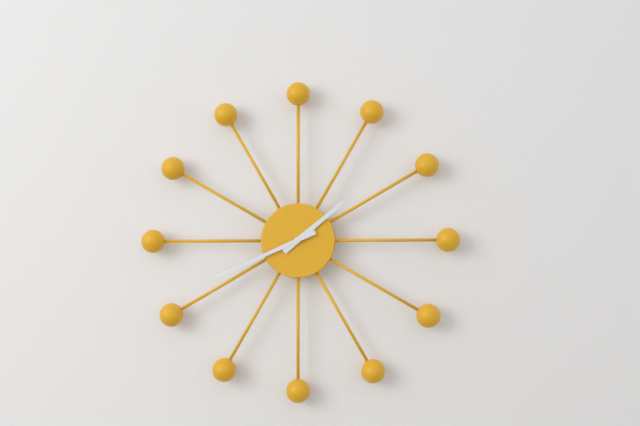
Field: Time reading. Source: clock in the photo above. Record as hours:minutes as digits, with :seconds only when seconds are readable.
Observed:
1:41
